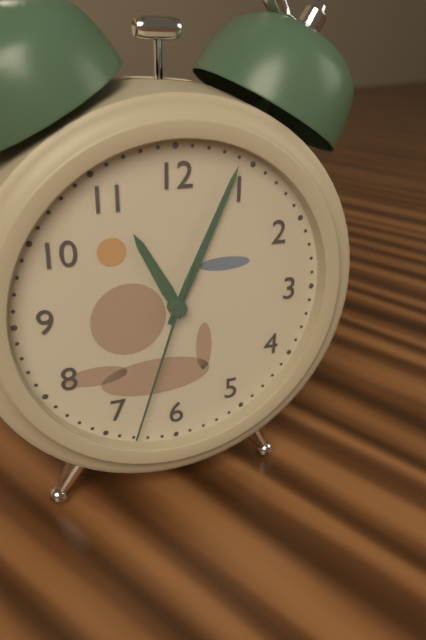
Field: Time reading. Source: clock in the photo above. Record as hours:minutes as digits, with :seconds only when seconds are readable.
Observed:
11:04:33
